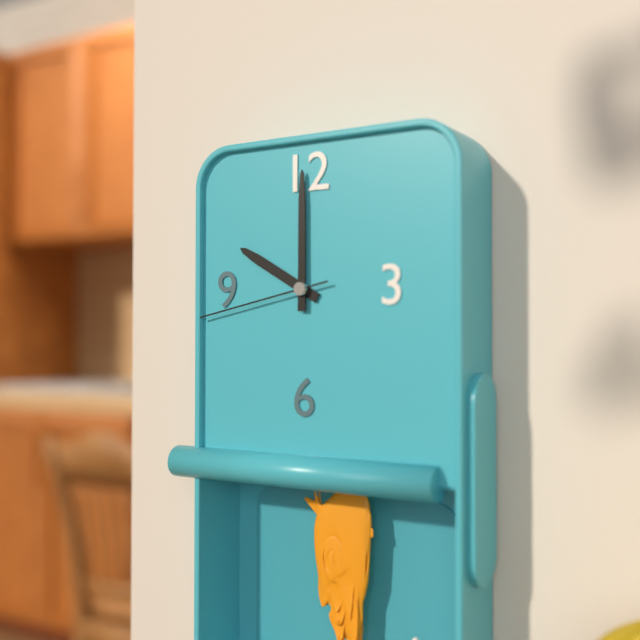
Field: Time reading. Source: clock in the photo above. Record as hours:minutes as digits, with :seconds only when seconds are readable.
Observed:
10:00:43
